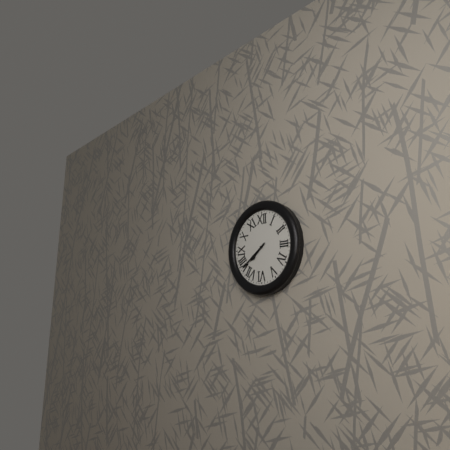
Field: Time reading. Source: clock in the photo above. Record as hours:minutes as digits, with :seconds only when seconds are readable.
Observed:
7:39
